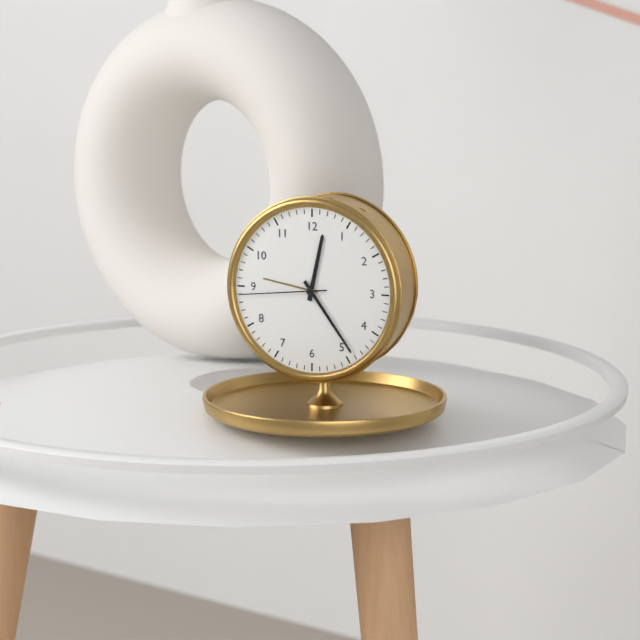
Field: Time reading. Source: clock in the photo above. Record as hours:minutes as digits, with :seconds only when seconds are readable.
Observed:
12:24:44
